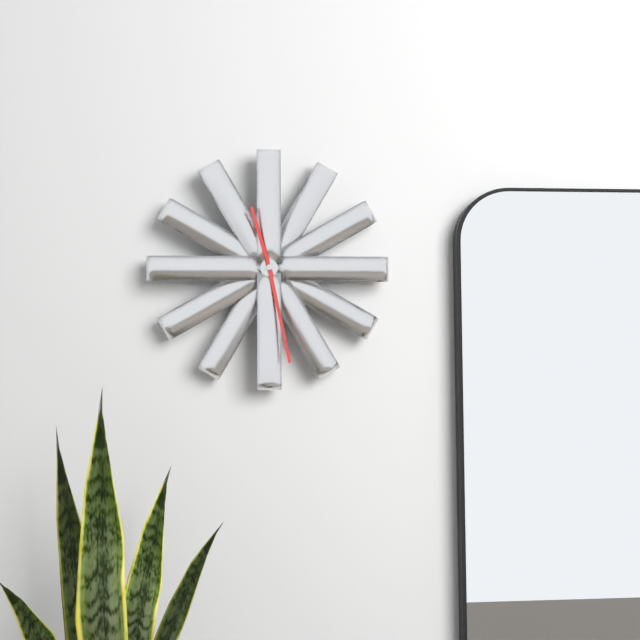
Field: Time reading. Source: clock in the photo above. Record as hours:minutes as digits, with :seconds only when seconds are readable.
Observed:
11:28
